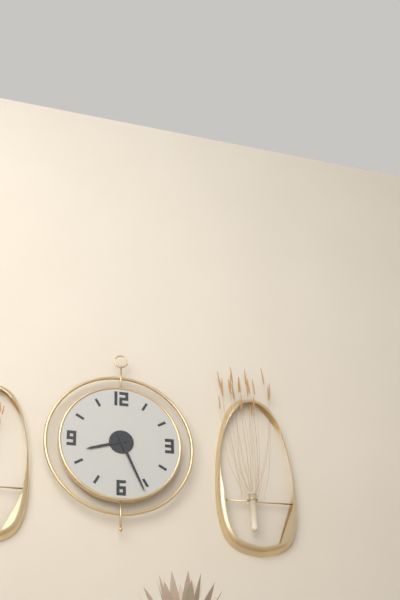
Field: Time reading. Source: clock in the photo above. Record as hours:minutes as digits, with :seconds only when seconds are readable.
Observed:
8:26
